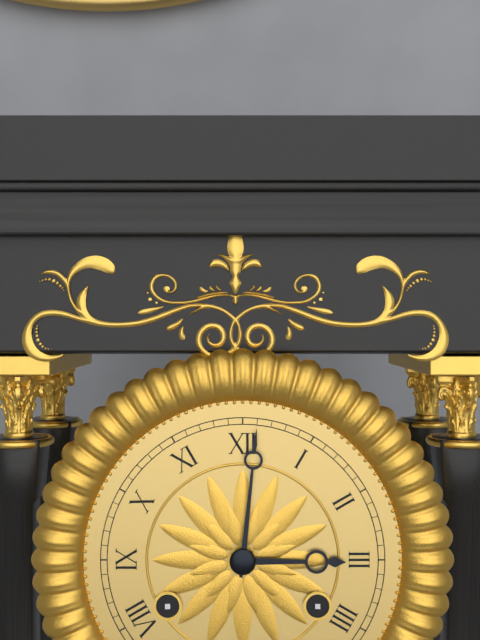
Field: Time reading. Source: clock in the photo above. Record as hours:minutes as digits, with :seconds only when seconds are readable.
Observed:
3:01
